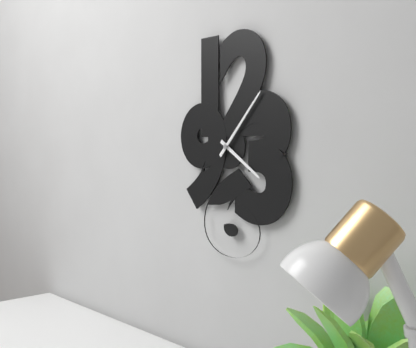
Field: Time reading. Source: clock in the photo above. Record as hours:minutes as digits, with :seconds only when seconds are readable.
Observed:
4:07
